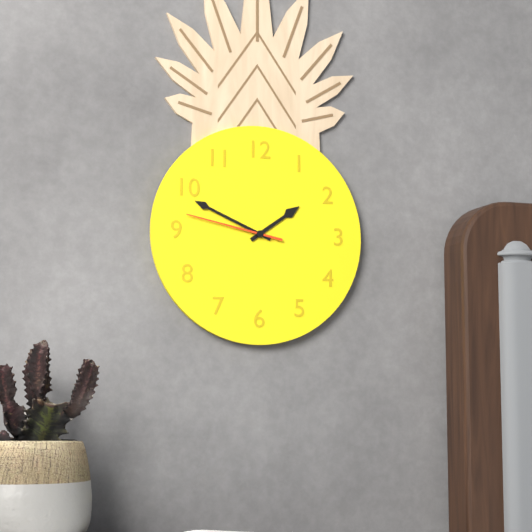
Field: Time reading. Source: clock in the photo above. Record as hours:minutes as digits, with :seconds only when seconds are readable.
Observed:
1:49:47
